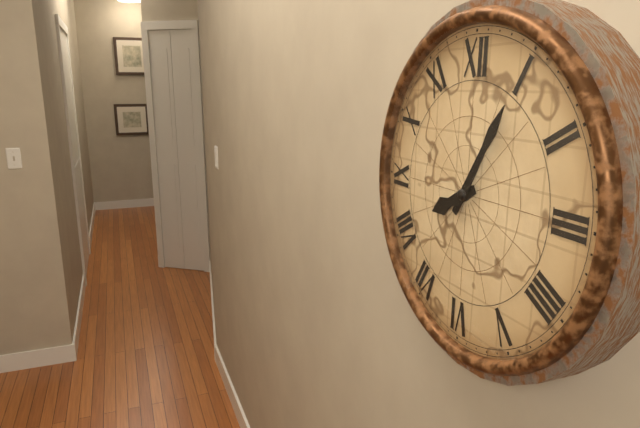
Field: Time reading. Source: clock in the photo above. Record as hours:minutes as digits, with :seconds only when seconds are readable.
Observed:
8:05
